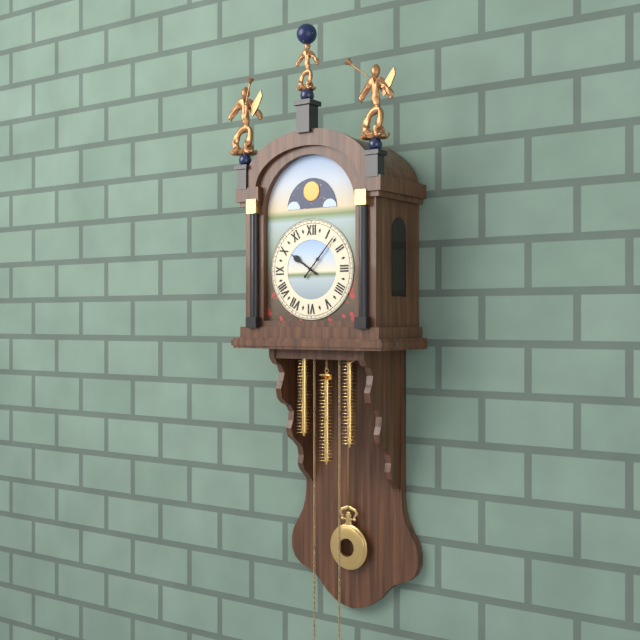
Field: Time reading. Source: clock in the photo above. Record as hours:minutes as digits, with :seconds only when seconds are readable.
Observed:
10:07
